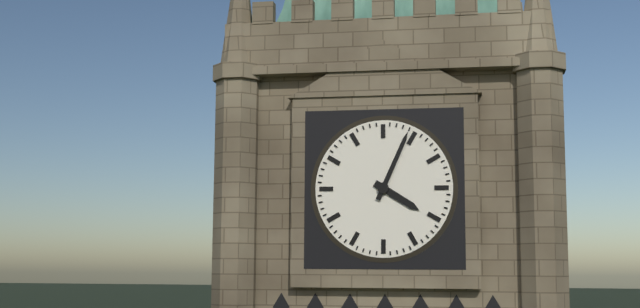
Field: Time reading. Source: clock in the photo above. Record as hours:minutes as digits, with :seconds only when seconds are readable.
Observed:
4:04
